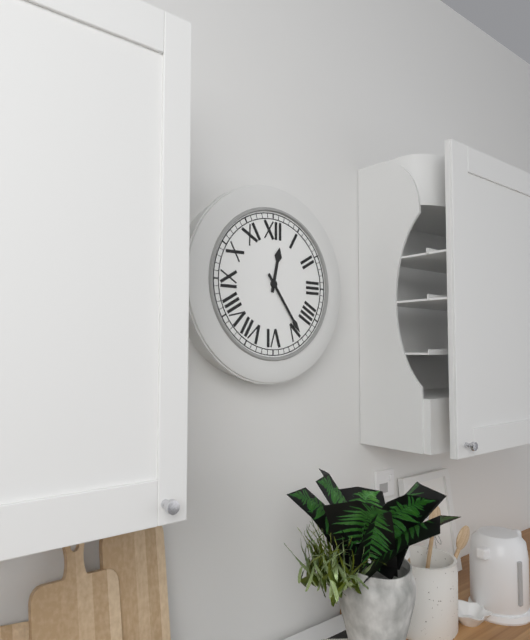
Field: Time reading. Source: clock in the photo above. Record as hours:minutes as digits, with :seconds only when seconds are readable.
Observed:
12:24
